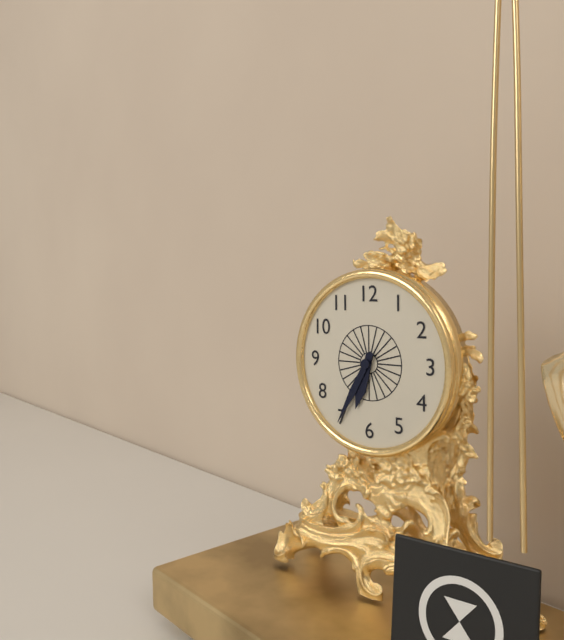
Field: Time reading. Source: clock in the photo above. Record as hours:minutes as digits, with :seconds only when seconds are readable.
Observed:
6:35
